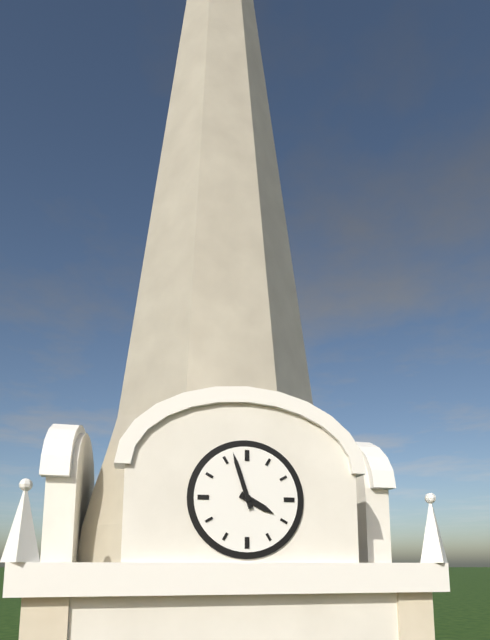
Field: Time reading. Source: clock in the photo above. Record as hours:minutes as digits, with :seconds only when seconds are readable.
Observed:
3:57
